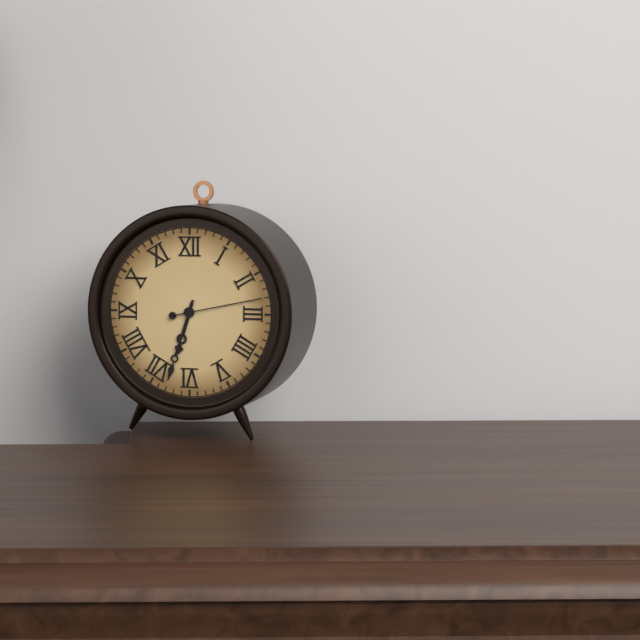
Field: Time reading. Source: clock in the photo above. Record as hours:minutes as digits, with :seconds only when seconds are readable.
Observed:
6:33:13
